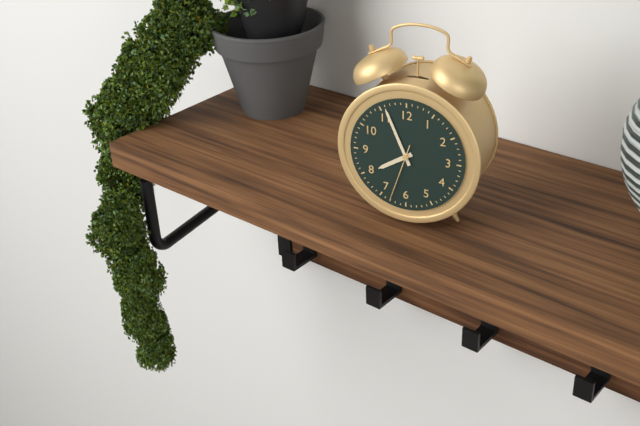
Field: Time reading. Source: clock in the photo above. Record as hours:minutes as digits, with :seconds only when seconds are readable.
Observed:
7:56:33
